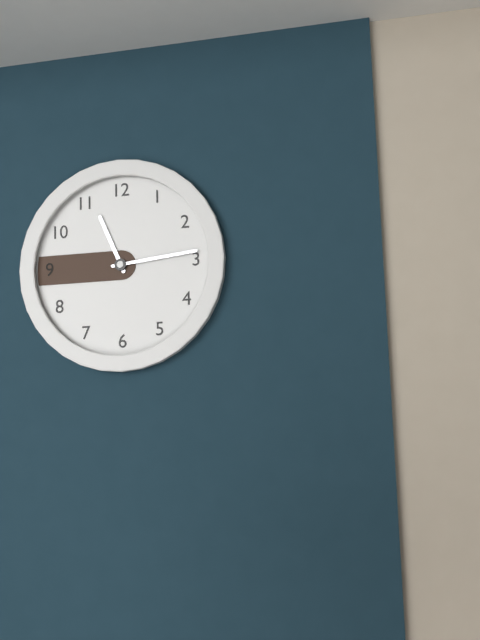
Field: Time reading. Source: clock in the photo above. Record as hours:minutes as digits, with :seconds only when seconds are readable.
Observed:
11:14
